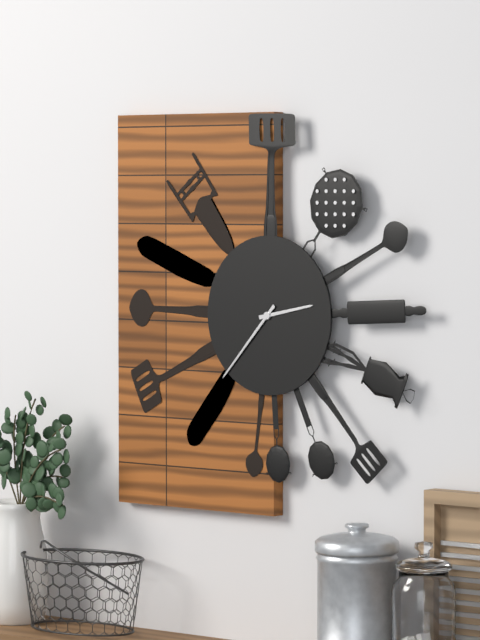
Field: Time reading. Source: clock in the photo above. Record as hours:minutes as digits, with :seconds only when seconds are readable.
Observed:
2:37
